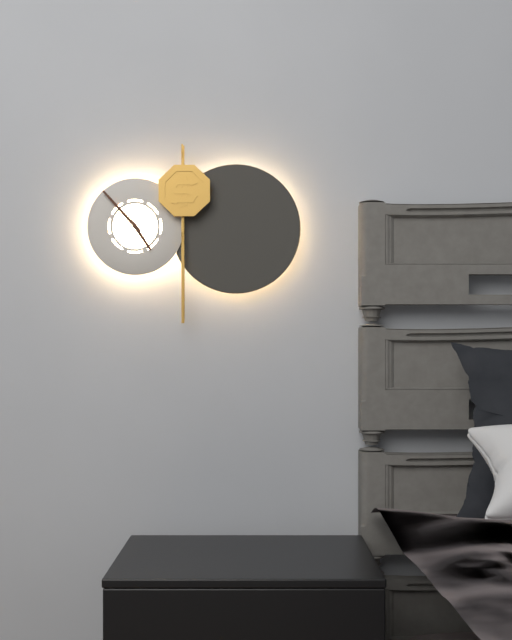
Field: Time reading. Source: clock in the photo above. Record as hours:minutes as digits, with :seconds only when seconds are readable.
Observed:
4:53
